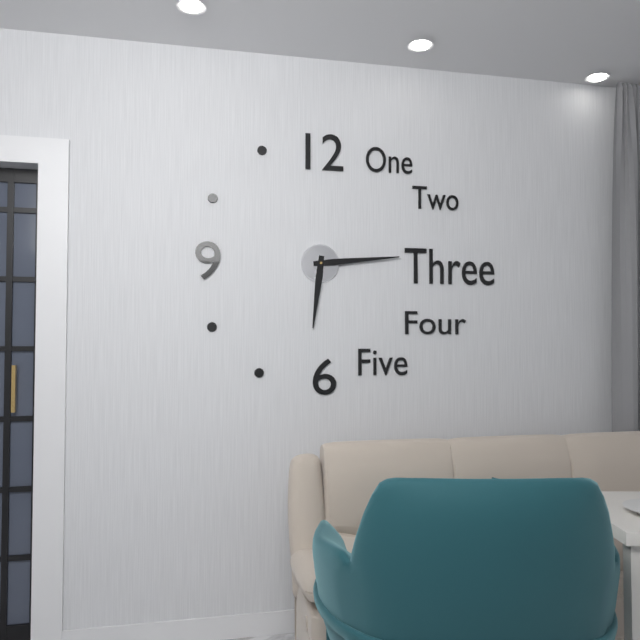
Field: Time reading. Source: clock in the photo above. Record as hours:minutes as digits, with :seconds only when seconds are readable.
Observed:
6:14
